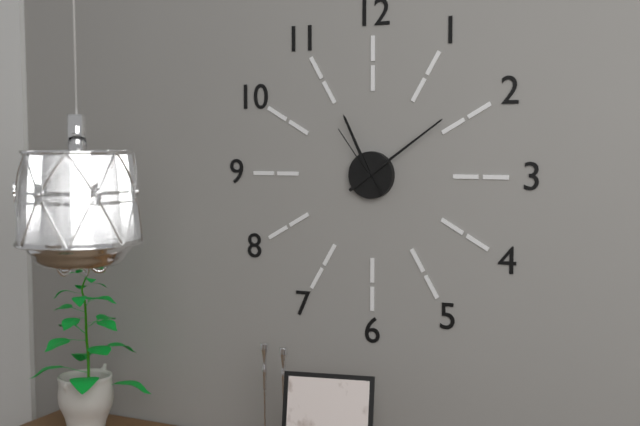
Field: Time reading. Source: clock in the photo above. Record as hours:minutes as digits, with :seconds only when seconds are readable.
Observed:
11:09:54
